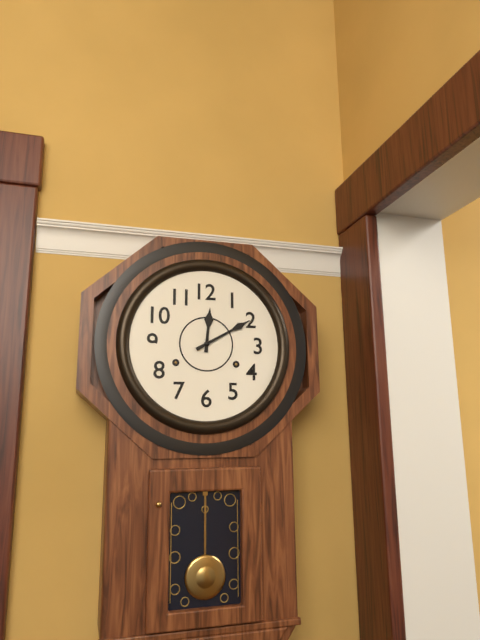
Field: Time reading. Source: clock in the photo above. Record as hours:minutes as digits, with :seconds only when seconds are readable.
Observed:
12:10
